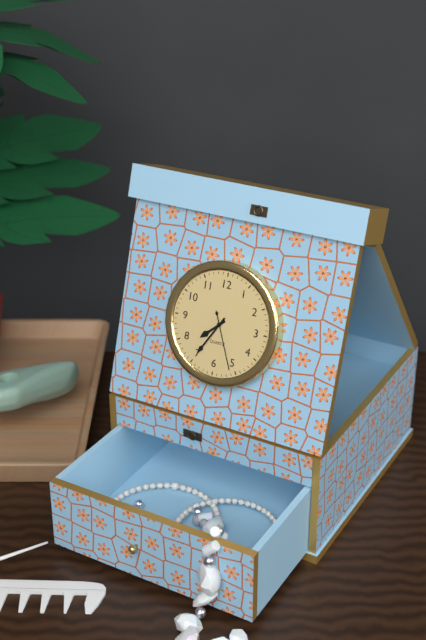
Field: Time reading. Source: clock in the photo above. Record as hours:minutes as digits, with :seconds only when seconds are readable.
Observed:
7:35:26
